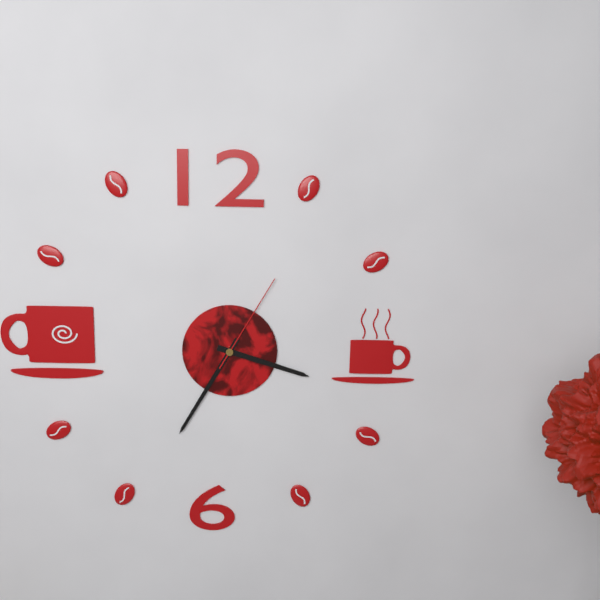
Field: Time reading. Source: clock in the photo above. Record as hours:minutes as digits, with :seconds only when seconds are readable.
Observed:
3:35:05
